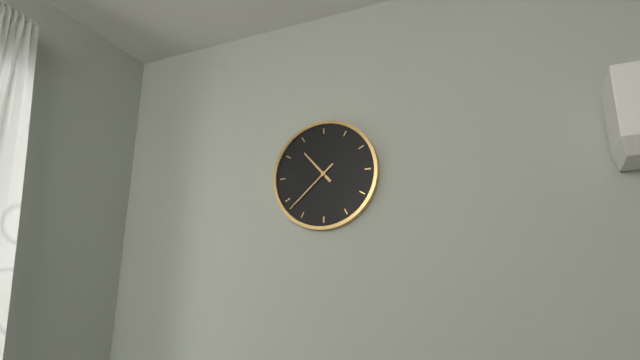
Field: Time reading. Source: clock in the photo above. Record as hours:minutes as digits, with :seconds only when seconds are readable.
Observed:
10:38
